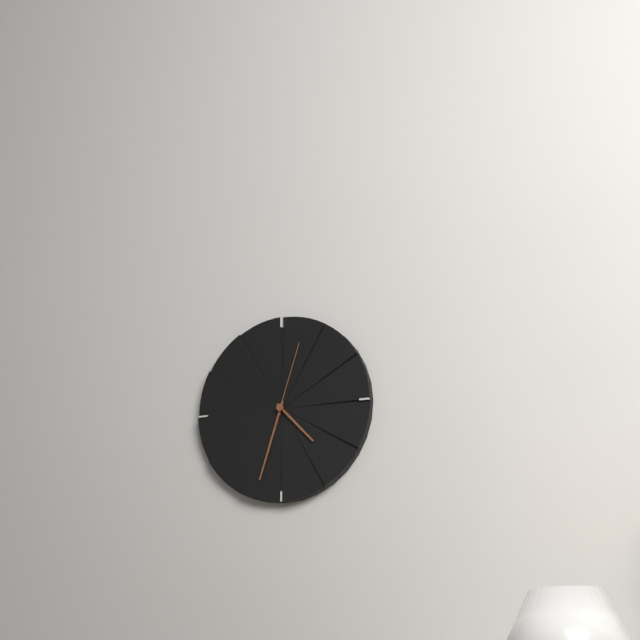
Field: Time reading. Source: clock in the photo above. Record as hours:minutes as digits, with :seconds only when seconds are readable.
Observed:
4:33:03
